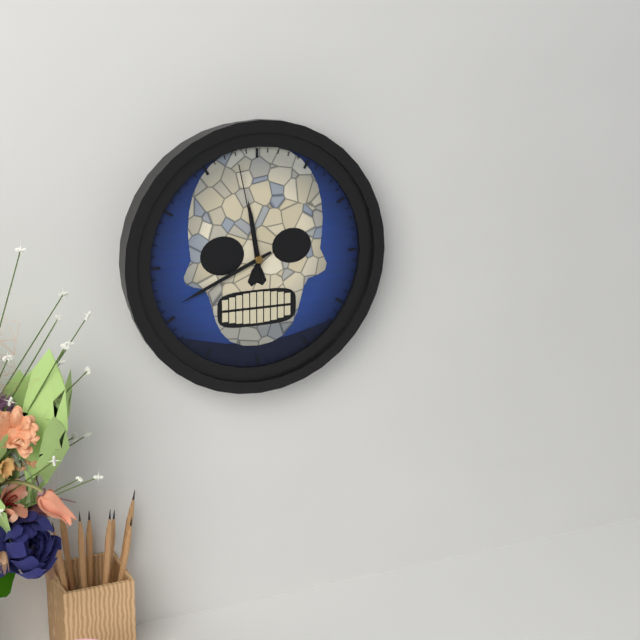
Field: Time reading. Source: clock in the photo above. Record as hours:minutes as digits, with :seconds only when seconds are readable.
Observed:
11:41:58
